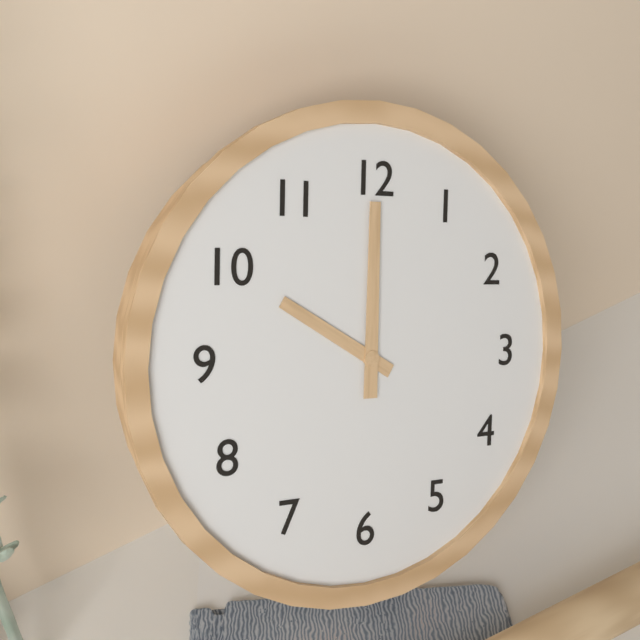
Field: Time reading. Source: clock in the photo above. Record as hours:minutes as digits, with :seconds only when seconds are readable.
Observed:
10:00
